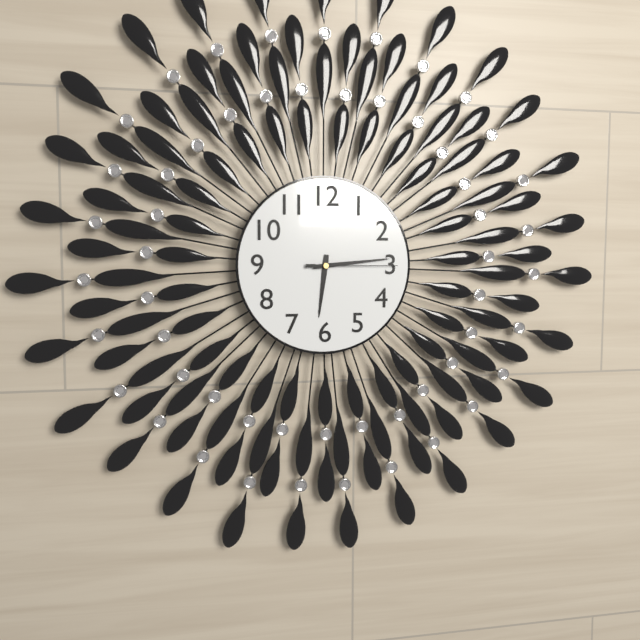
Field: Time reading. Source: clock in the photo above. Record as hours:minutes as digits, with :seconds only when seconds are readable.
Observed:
6:14:15
